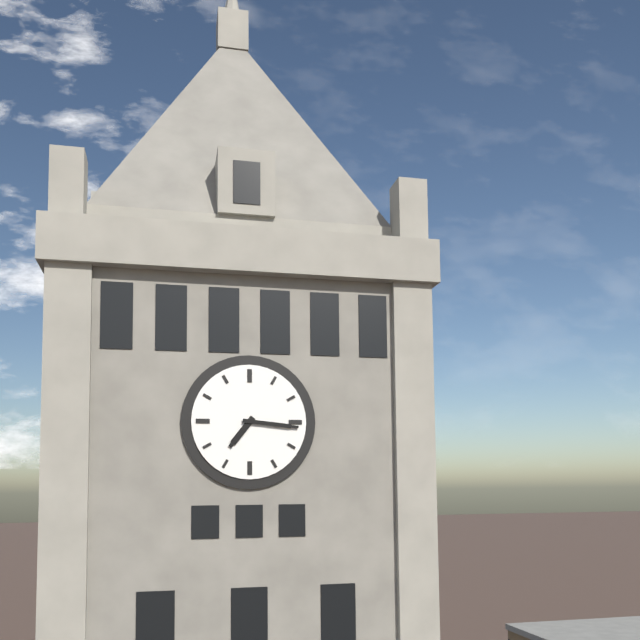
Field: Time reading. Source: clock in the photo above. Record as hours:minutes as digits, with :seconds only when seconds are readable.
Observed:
7:16
